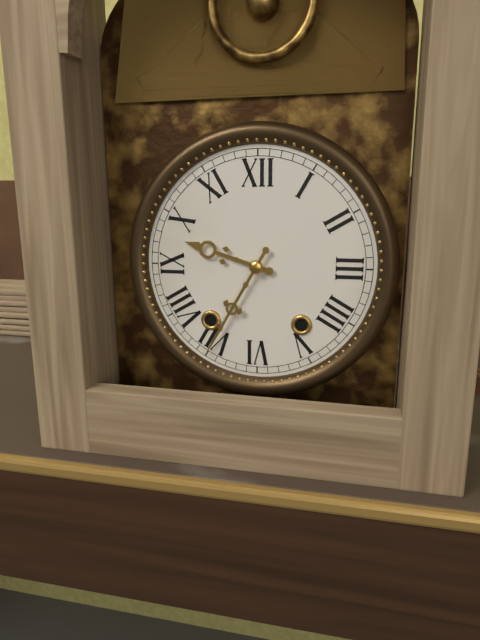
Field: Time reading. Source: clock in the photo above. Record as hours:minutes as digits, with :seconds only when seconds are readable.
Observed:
9:35
